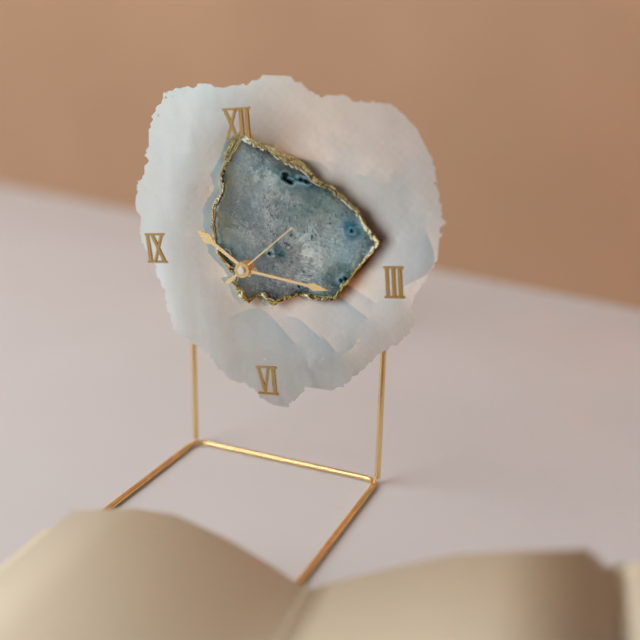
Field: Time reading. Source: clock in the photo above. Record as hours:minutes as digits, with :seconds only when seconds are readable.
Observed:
10:17:09
